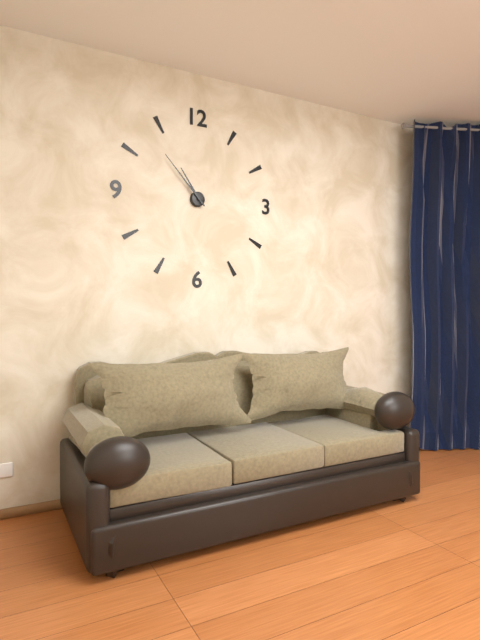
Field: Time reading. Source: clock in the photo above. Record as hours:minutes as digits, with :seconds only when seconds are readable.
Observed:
10:53
